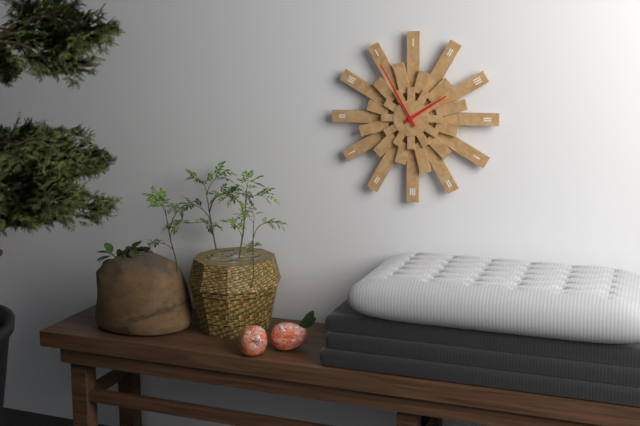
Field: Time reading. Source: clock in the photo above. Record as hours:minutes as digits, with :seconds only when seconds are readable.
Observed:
1:55
